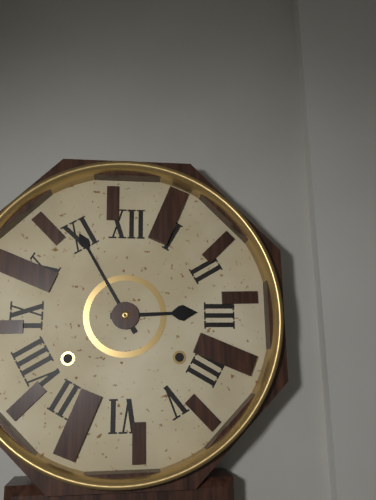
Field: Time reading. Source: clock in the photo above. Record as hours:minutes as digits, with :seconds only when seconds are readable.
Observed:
2:55
